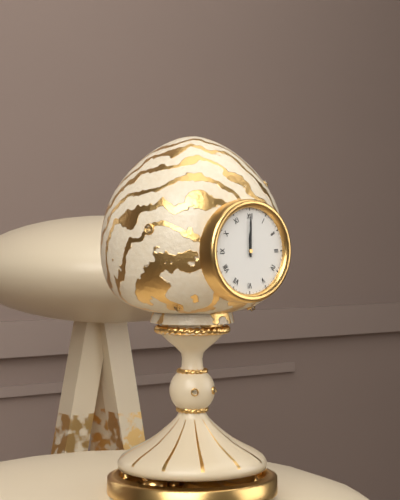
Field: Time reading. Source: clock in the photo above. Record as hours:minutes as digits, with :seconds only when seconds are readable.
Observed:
12:00
